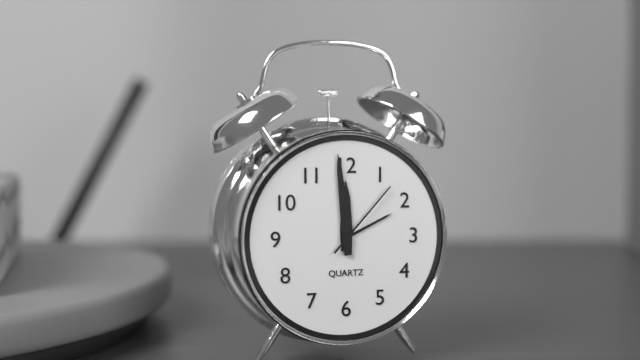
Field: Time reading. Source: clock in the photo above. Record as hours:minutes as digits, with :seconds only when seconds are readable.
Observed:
11:59:07
